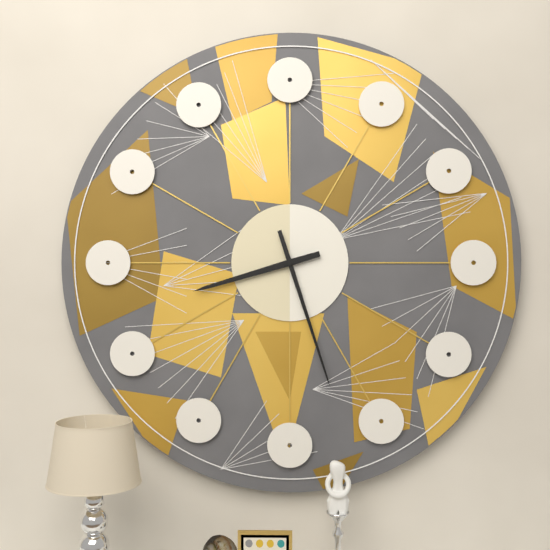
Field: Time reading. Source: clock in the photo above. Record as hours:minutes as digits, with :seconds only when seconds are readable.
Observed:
8:27
